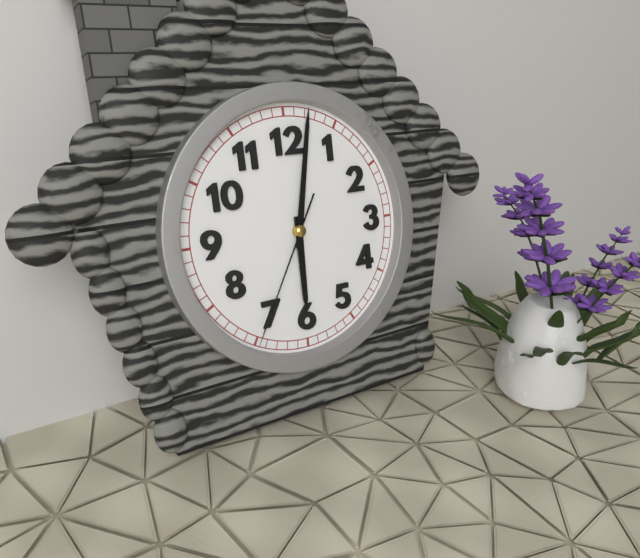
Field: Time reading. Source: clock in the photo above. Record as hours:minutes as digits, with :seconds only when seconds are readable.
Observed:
6:02:35
